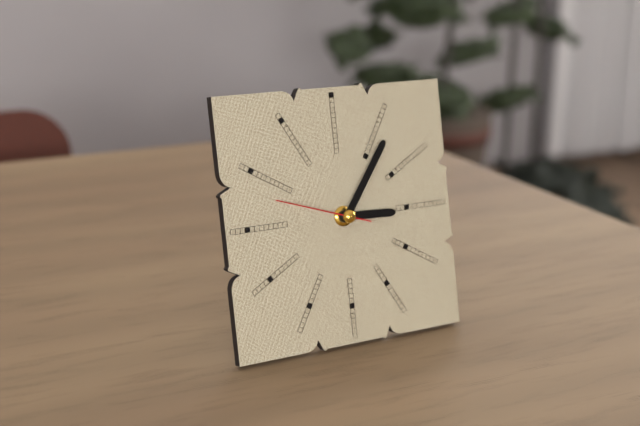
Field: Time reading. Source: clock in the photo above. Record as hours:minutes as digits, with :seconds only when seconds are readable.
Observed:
3:06:48
